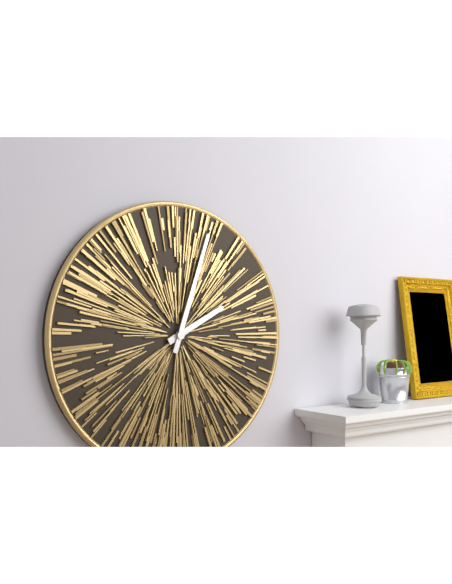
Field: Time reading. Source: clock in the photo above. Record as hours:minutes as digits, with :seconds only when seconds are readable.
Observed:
2:03
